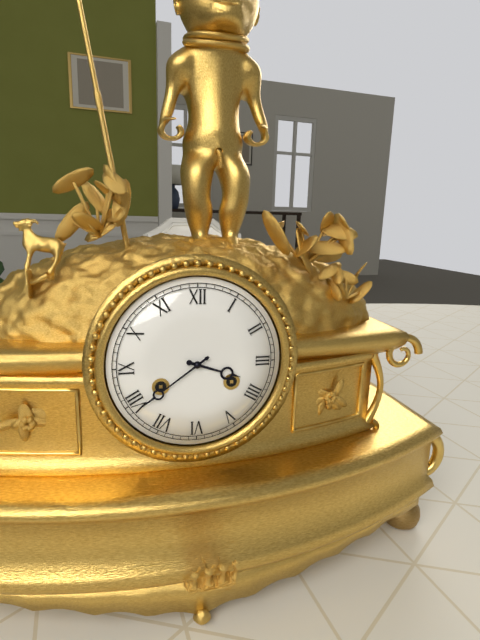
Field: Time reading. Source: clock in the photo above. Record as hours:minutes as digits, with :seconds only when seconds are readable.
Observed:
3:39
